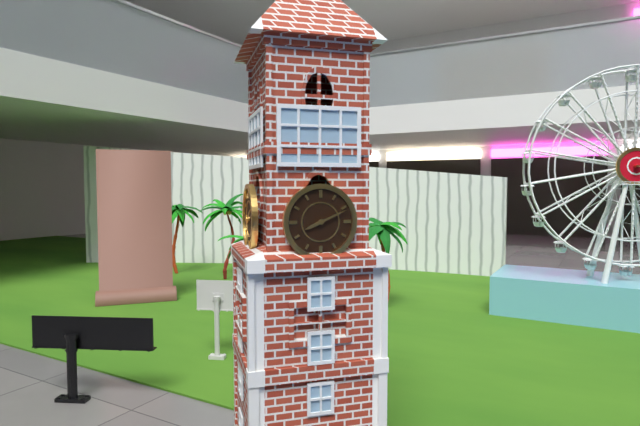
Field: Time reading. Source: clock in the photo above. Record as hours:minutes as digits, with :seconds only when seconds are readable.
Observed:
8:11
